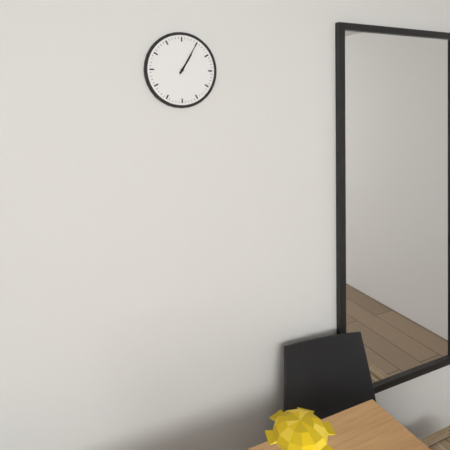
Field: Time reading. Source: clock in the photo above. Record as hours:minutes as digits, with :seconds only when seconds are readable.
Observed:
1:05
